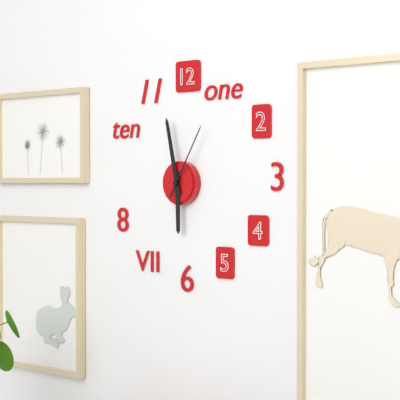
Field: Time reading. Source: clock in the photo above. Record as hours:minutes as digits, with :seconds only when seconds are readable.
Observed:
5:58:05
